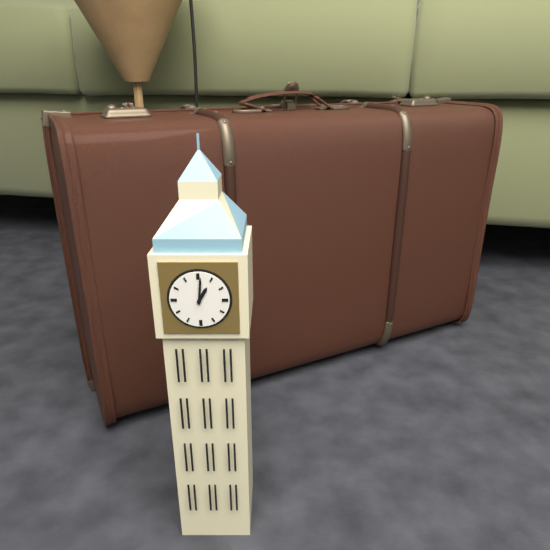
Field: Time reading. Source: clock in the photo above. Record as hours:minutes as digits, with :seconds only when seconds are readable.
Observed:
1:01
